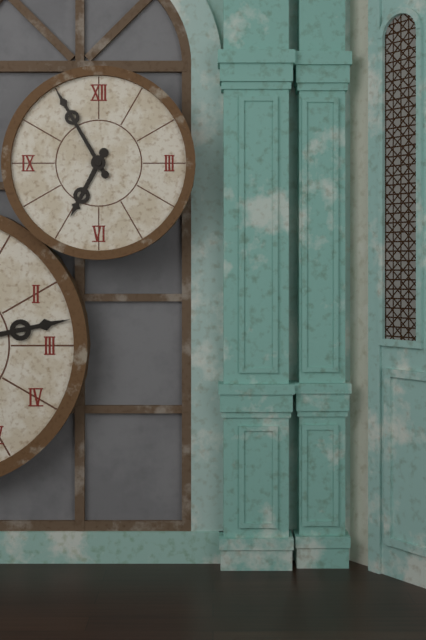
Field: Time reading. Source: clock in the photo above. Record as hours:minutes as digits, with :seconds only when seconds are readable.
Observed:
6:55
